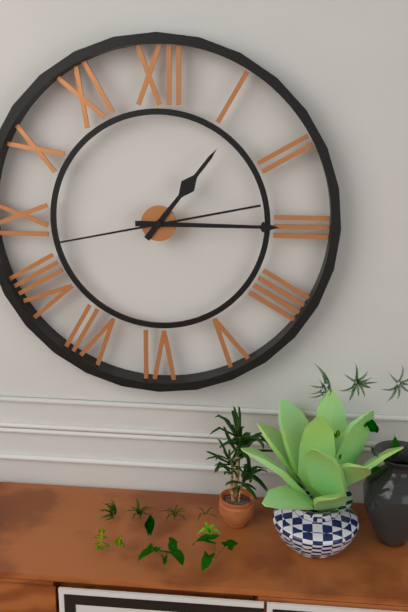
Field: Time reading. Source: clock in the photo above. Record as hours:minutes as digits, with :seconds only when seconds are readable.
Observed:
1:15:43
